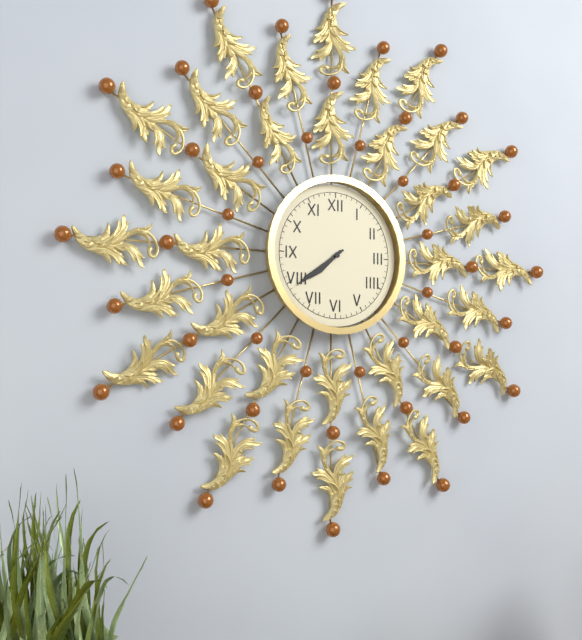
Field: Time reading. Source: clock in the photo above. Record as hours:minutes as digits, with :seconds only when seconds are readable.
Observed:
7:39
